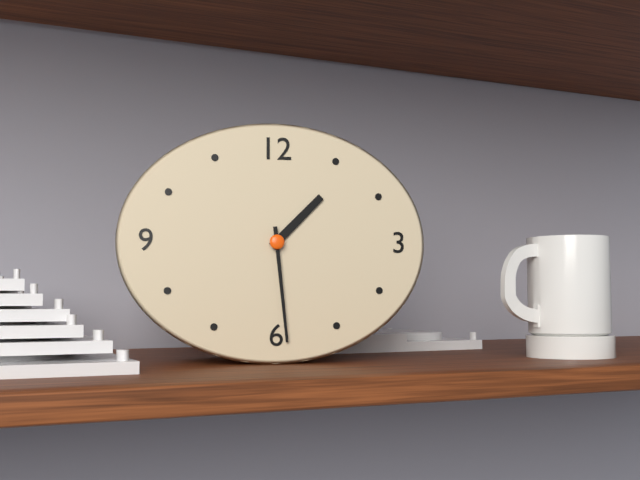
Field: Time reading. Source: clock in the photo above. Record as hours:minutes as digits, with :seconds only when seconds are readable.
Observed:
1:29
